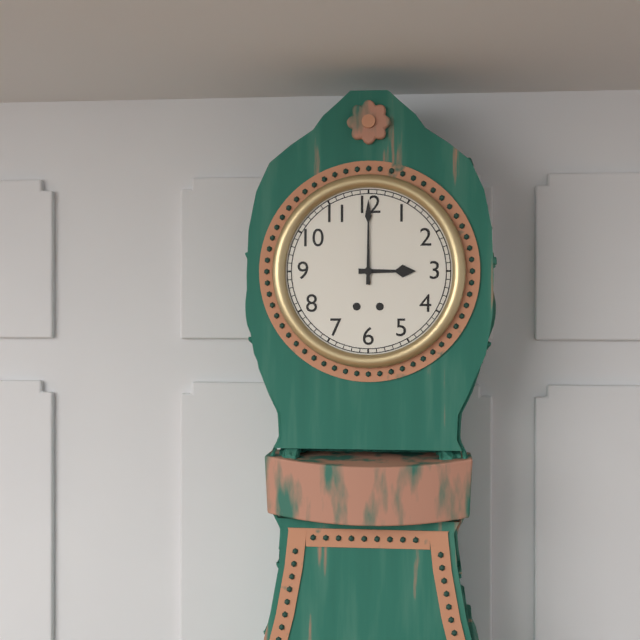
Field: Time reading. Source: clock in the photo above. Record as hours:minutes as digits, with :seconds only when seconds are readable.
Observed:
3:00
